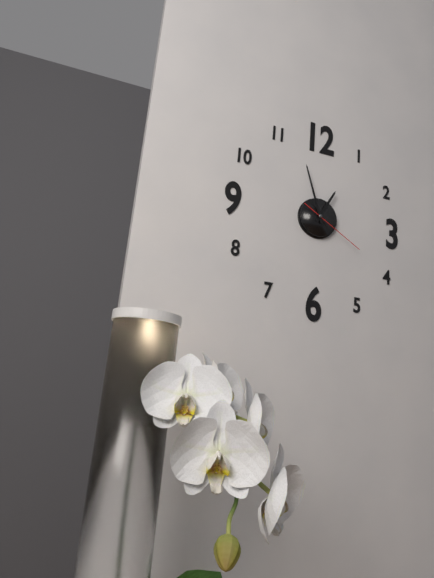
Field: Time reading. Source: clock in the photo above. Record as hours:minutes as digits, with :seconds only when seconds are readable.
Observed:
12:57:20
